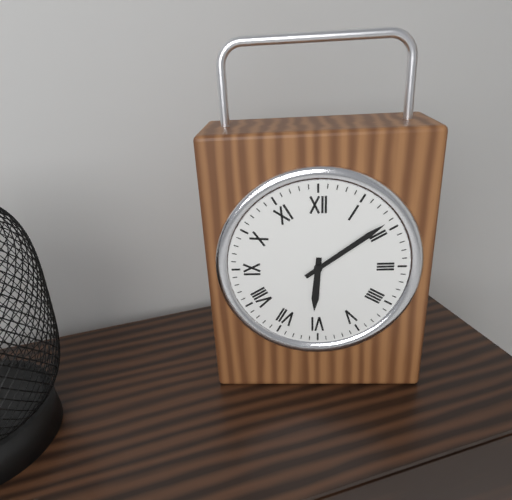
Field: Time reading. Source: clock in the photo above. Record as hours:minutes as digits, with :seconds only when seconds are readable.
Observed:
6:09
